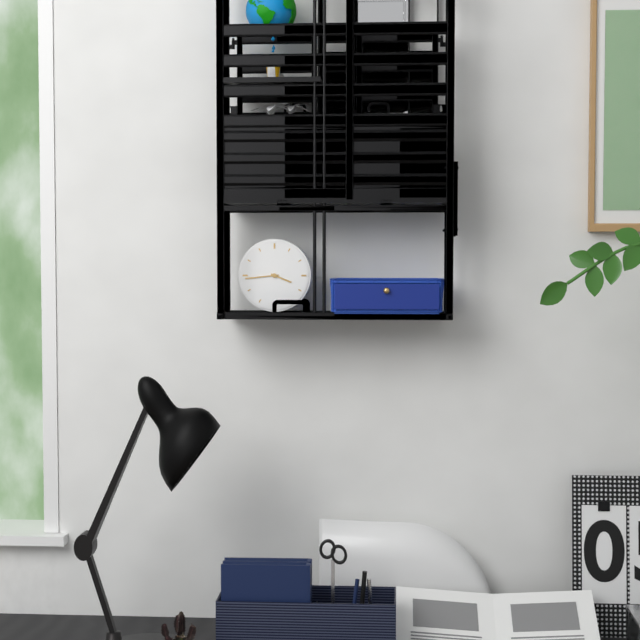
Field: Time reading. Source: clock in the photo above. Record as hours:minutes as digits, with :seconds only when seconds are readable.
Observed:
3:44
